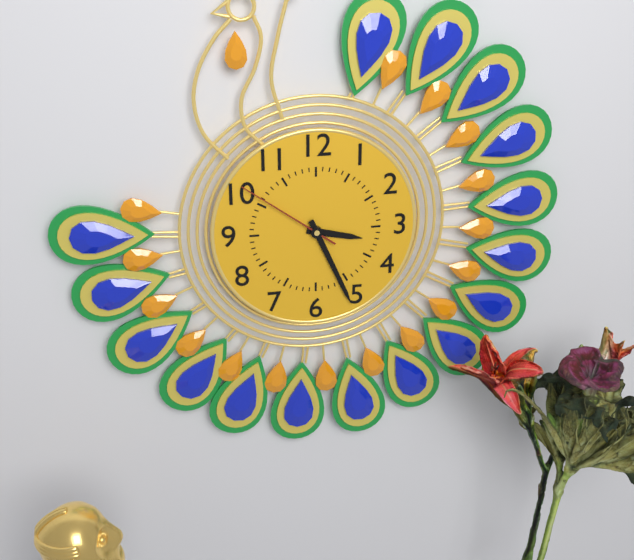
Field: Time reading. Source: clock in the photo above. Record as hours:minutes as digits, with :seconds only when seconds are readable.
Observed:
3:26:51
